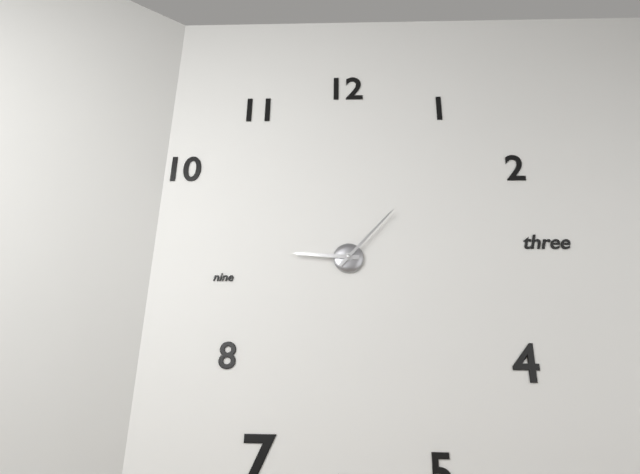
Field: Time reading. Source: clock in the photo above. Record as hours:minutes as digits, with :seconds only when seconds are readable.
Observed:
9:07
